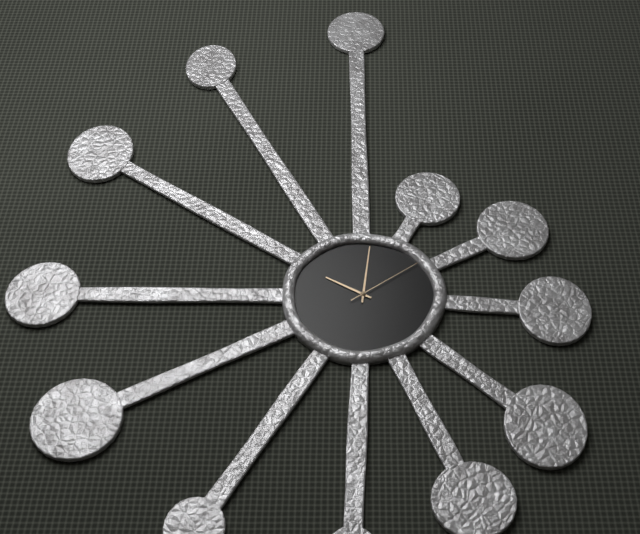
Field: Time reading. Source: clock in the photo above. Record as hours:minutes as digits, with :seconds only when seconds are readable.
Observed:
10:01:09
